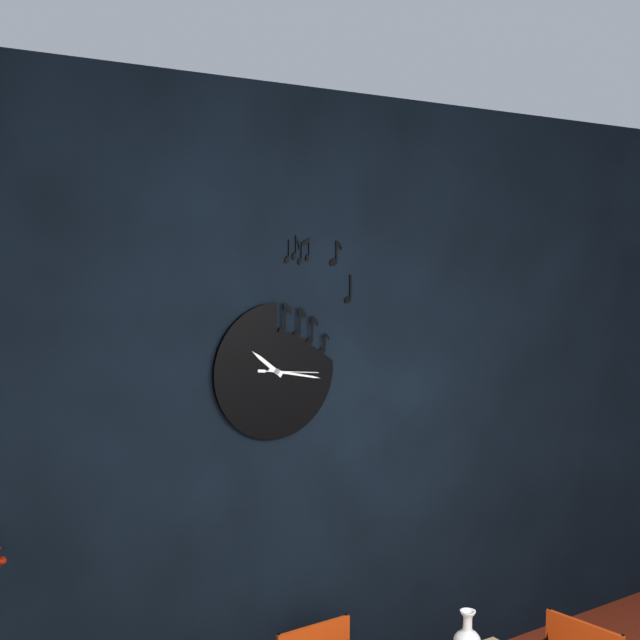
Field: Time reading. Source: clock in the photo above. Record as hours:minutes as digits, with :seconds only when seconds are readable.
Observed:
10:17:16
